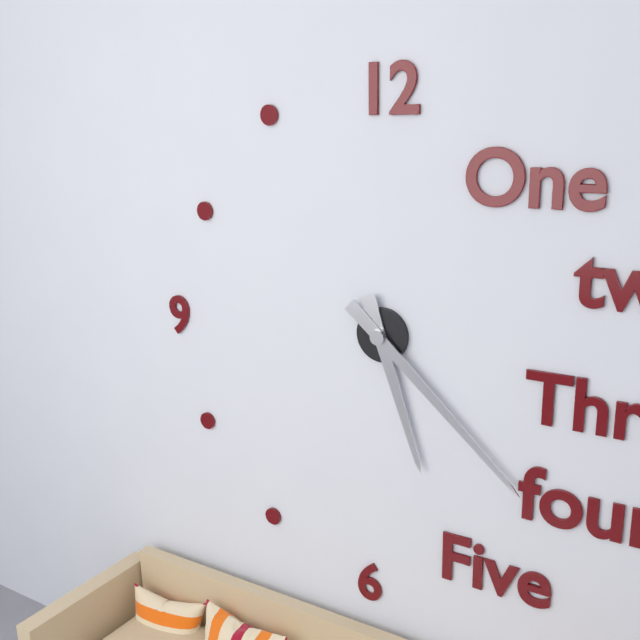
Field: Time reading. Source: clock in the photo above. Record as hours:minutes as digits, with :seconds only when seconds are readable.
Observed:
5:22
